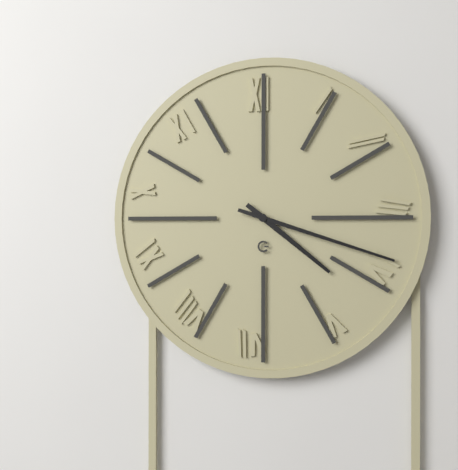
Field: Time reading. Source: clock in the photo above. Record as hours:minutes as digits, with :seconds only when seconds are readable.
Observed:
4:18
